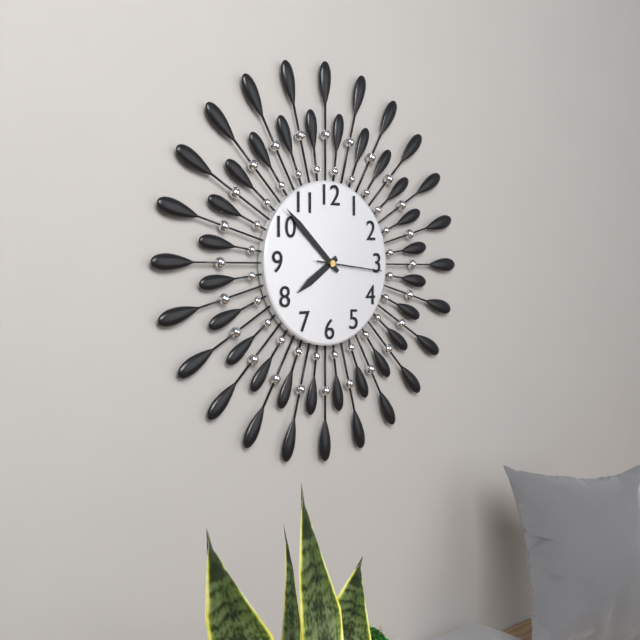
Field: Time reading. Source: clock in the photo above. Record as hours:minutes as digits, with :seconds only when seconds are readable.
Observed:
7:52:16
